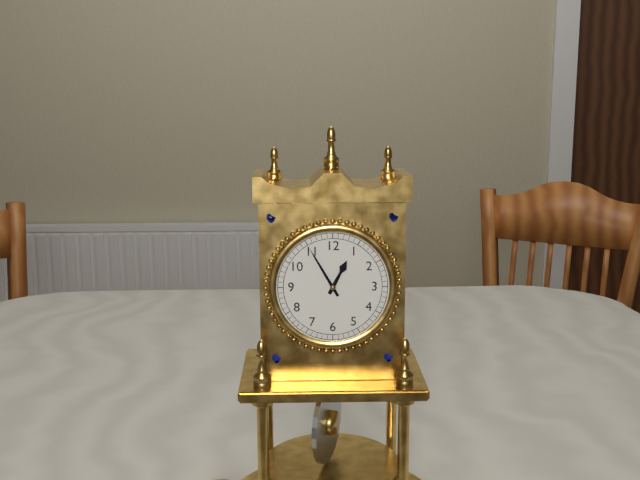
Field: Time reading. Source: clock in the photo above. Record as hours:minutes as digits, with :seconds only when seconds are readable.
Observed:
12:55
